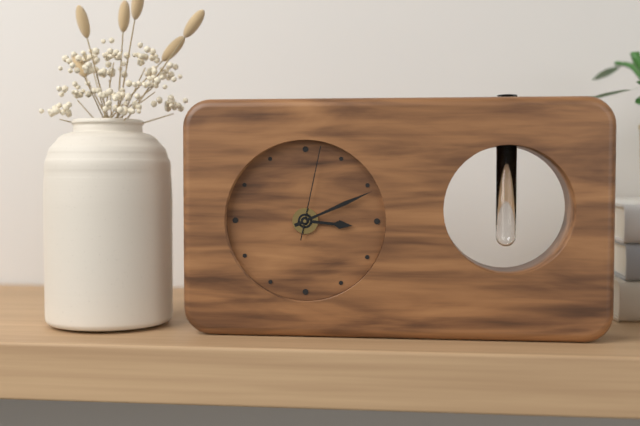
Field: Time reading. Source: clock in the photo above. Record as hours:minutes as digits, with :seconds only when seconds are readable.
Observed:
3:11:02
